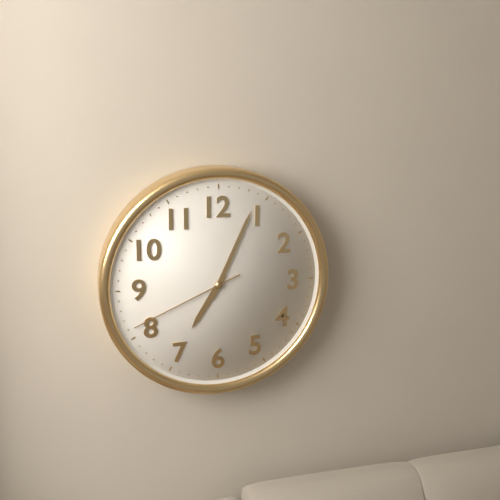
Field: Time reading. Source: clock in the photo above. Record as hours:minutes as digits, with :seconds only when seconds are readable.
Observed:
7:04:41
